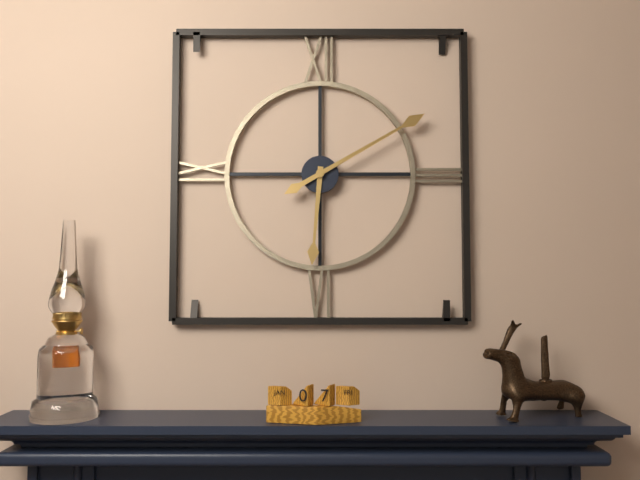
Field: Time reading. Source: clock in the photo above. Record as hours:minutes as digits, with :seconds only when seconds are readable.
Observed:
6:10
